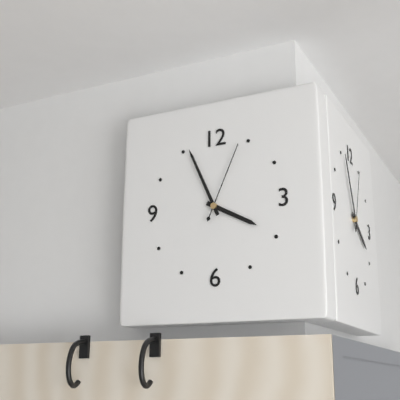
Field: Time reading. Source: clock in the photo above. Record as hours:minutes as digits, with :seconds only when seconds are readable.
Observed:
3:56:04
